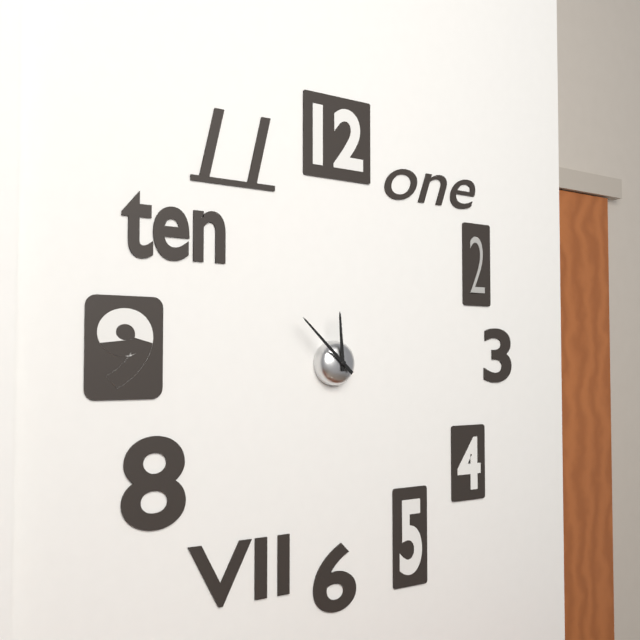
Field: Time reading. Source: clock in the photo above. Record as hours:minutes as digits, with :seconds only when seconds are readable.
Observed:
11:52
